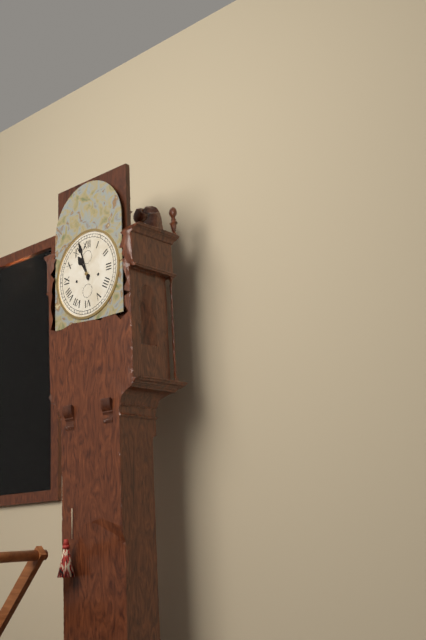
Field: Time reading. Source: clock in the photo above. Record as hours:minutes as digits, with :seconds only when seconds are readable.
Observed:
10:57
